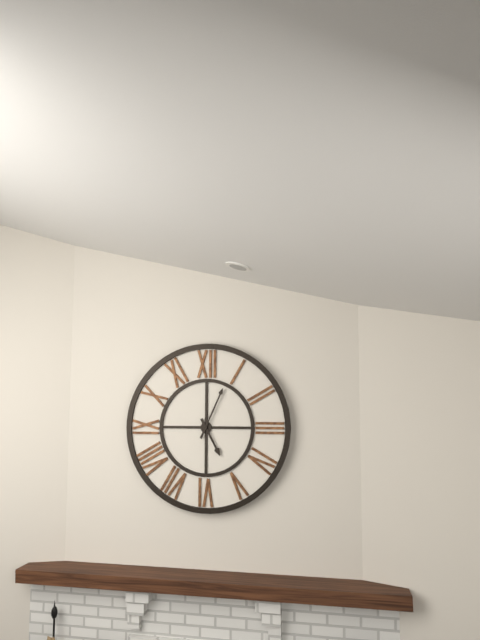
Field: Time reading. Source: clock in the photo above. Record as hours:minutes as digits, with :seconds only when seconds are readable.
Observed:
5:04
